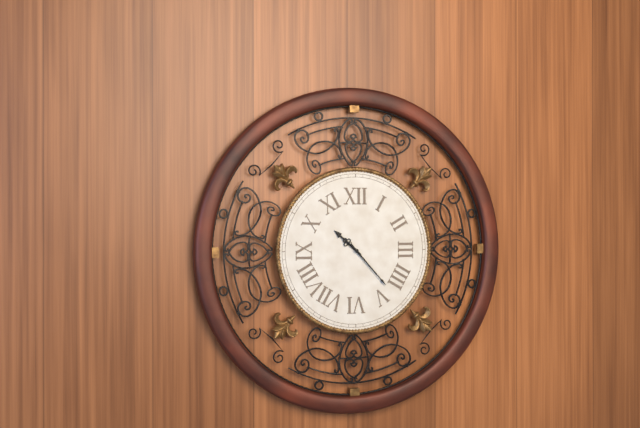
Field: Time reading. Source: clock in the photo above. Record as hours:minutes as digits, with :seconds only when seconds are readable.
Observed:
10:23
